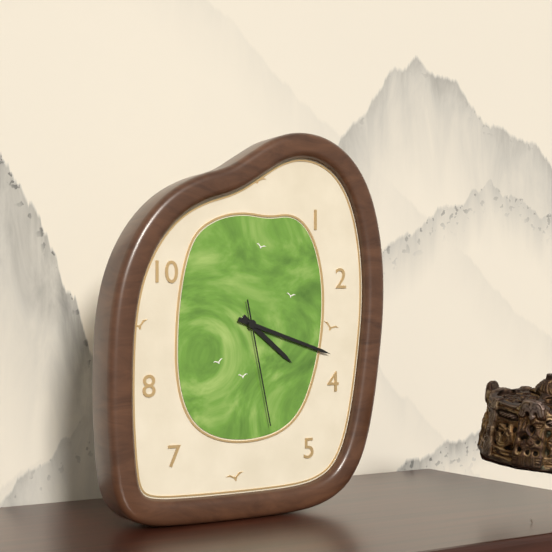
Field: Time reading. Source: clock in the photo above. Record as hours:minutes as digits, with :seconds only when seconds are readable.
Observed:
4:18:28
